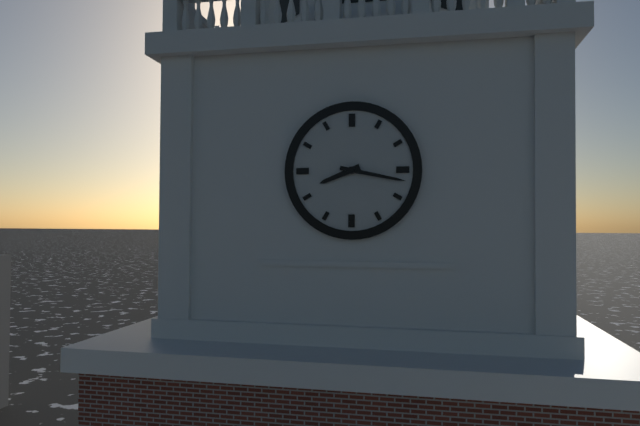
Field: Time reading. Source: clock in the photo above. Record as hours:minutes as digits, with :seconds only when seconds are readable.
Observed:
8:17
